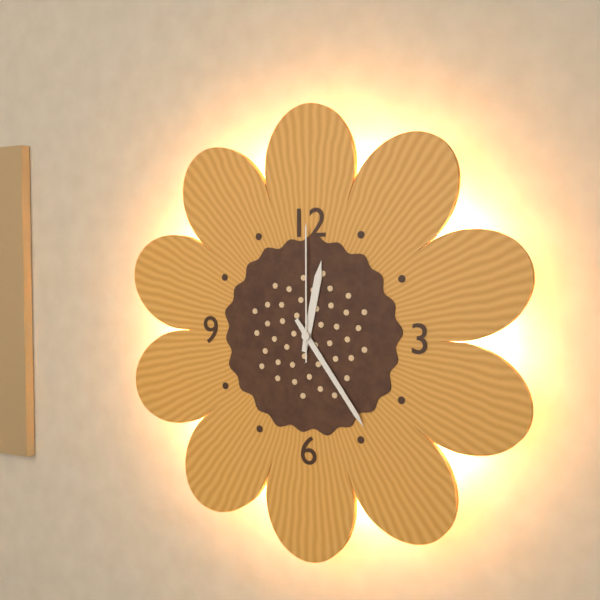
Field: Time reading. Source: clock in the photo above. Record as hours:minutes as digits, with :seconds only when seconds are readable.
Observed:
12:24:00
